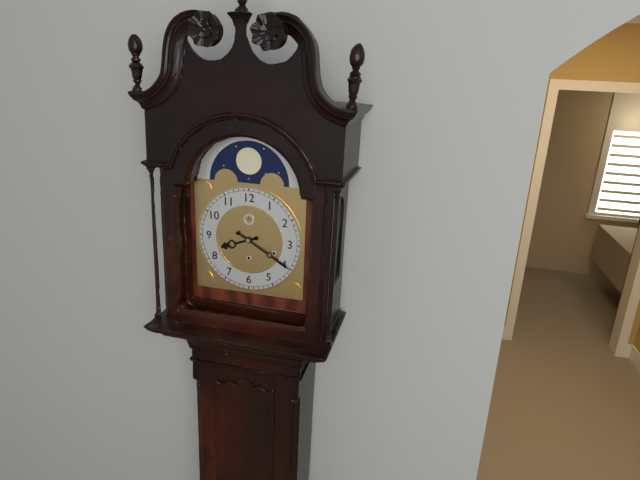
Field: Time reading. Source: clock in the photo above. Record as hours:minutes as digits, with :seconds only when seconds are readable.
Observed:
8:20
